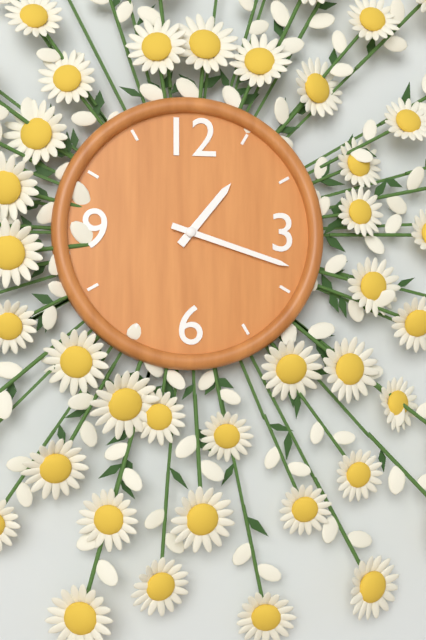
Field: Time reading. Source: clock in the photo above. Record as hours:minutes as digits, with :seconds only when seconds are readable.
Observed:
1:18
